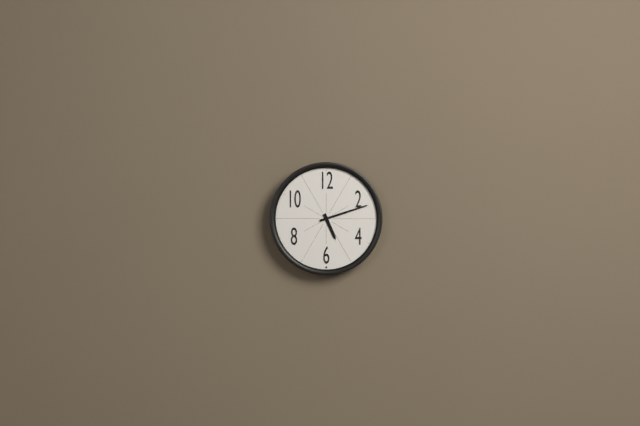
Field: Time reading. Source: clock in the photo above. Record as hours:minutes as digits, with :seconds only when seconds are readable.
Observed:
5:12
